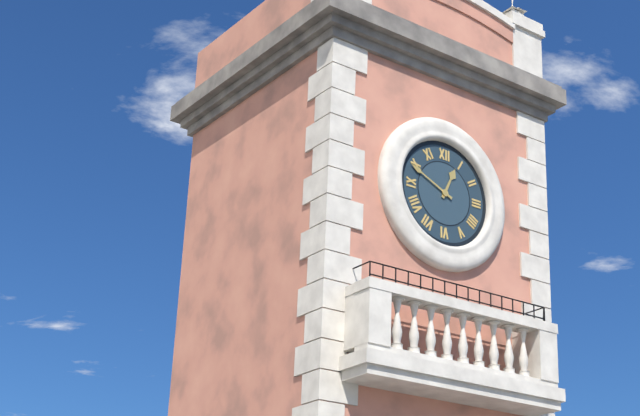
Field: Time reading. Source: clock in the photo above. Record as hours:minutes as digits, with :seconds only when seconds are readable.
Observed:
12:49
